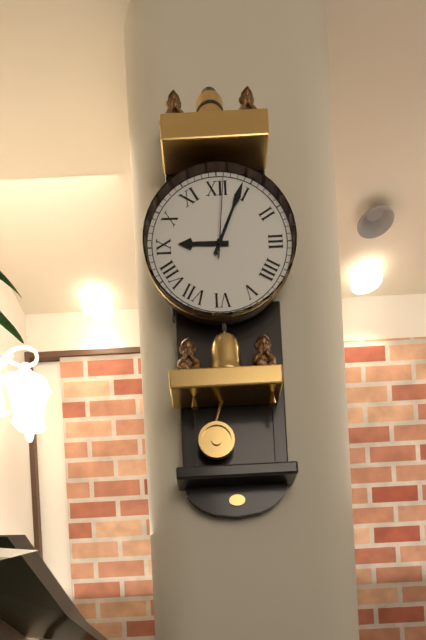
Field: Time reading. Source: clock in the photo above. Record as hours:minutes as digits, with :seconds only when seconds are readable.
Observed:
9:04:01
